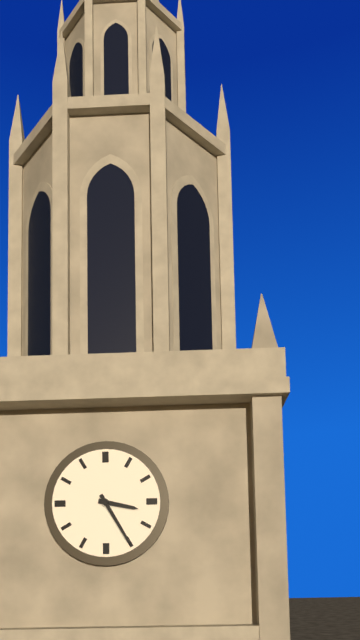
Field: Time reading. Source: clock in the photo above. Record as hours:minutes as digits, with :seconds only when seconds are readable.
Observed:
3:25
